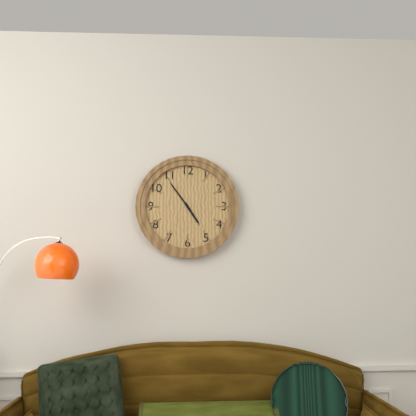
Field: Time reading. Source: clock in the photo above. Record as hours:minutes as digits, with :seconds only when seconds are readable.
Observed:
4:54
